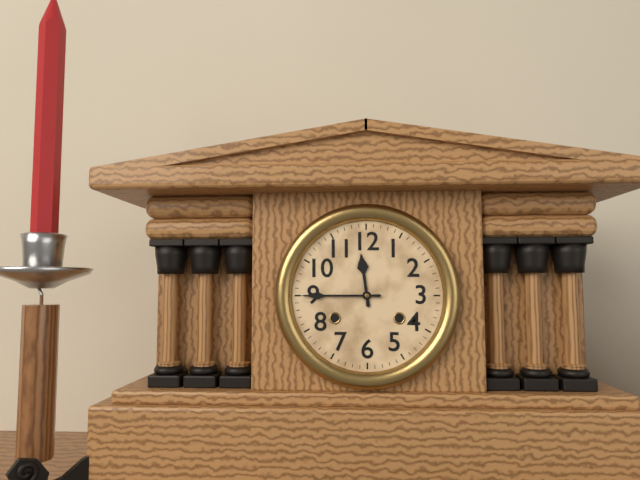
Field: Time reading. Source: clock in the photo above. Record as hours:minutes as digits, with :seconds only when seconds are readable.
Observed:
11:45
